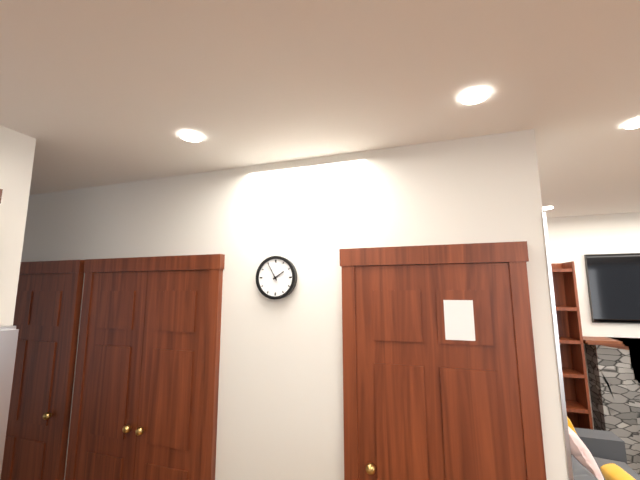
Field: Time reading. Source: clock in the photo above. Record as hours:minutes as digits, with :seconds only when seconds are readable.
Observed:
1:55
